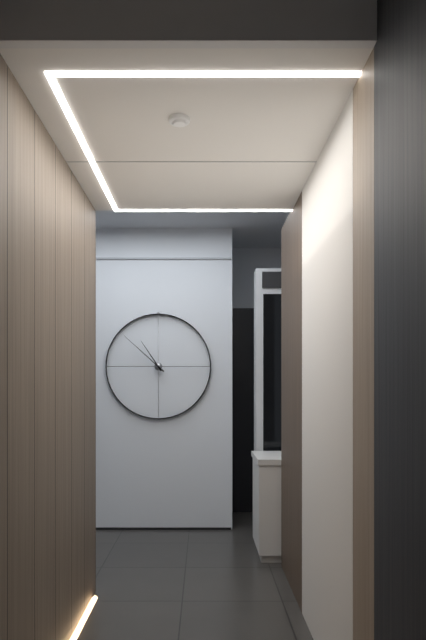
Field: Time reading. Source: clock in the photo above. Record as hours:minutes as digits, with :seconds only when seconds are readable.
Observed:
10:52
